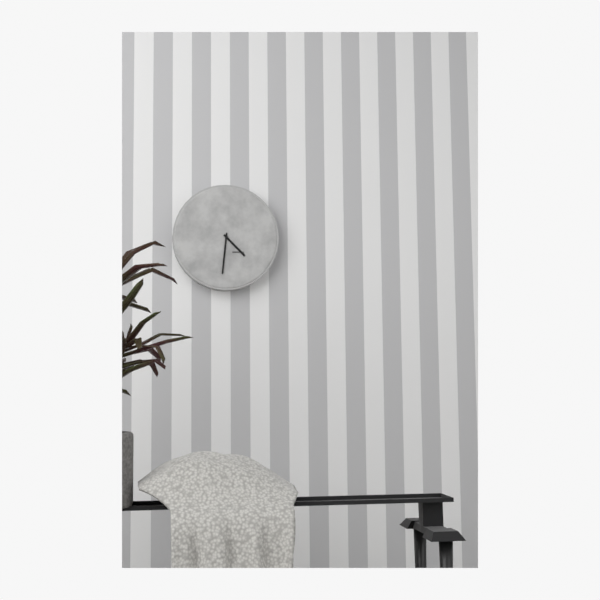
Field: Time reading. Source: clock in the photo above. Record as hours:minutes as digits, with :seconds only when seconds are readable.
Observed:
4:31
